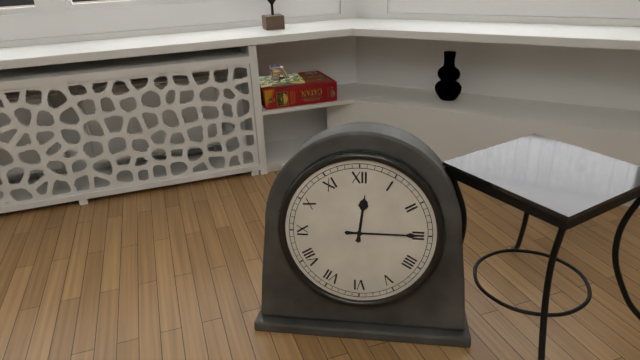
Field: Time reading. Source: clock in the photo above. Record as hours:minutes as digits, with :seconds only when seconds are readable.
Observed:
12:15
